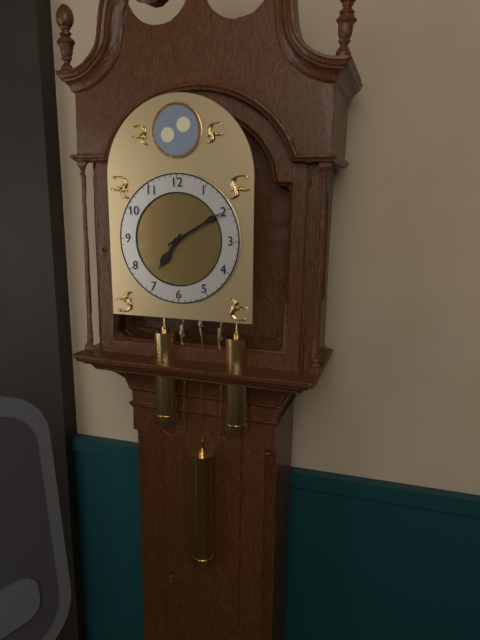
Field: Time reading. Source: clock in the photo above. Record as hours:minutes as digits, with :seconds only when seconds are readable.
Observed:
7:10
